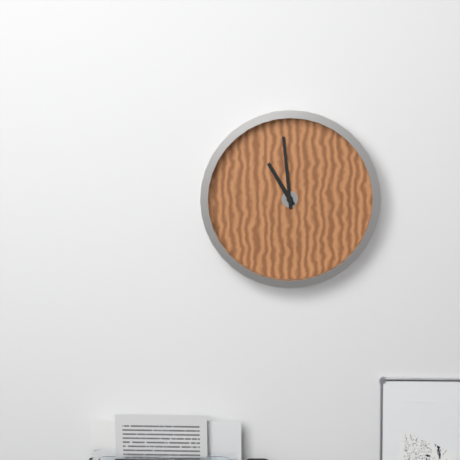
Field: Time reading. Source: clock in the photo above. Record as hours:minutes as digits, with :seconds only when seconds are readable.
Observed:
10:59
